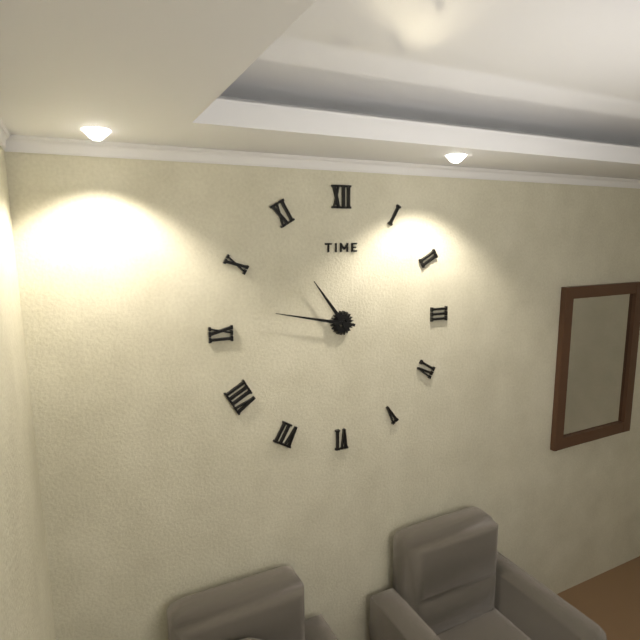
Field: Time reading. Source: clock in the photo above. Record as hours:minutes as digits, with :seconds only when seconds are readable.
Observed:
10:47
